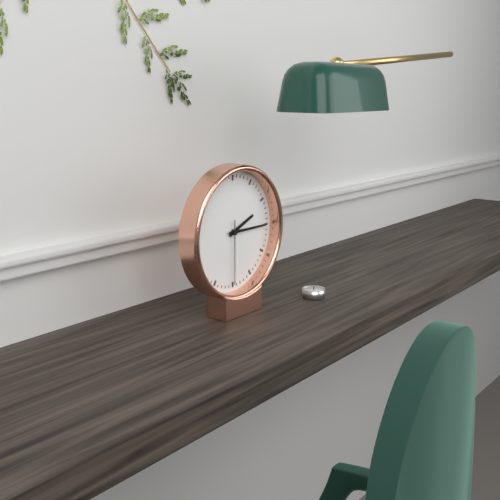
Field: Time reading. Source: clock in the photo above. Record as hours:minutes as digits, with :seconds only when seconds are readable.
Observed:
2:15:30
